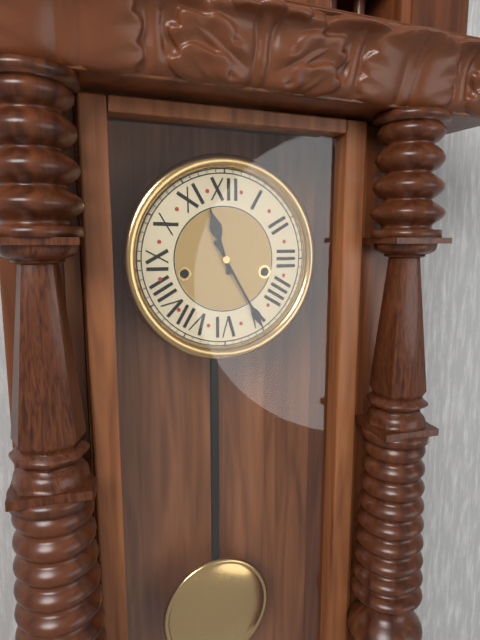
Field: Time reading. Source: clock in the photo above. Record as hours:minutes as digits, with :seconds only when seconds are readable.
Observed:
11:25
